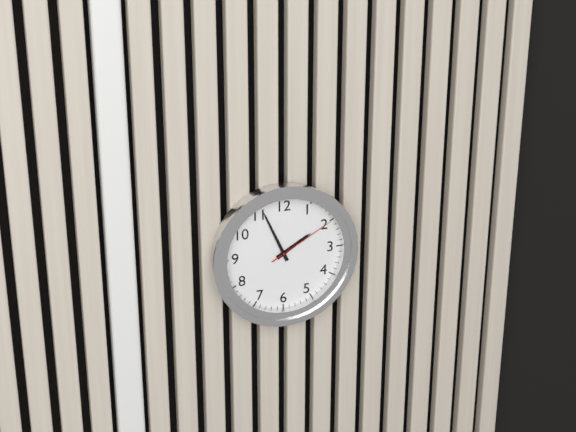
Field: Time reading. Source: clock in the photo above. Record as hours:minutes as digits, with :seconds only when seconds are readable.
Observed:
1:56:10
